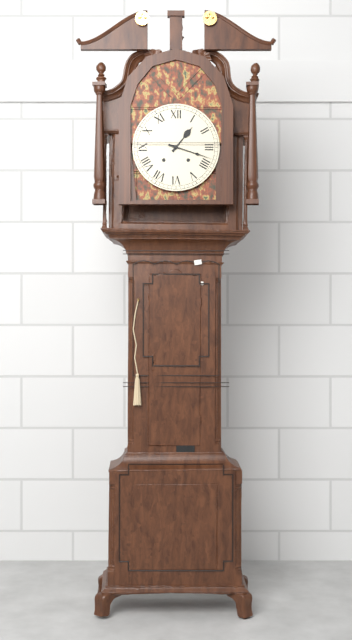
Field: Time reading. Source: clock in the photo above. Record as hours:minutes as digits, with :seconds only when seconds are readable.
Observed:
1:18
